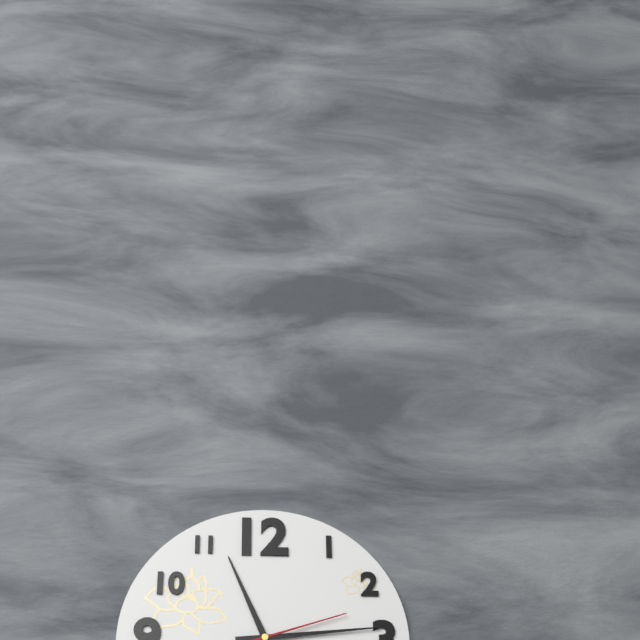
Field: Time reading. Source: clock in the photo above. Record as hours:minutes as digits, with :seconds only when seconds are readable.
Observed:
11:14:12
